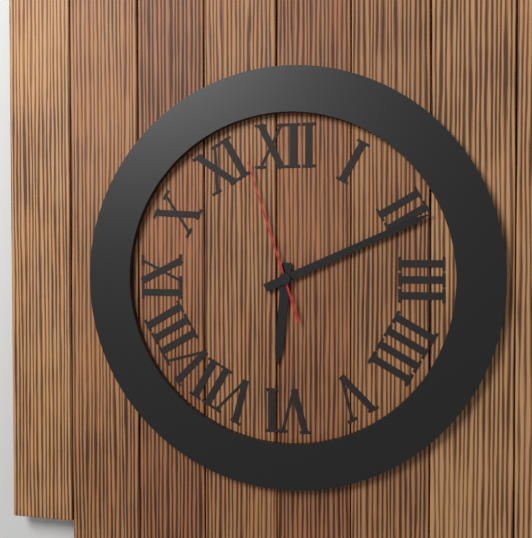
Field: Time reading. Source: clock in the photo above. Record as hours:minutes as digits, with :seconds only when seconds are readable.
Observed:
6:11:57
